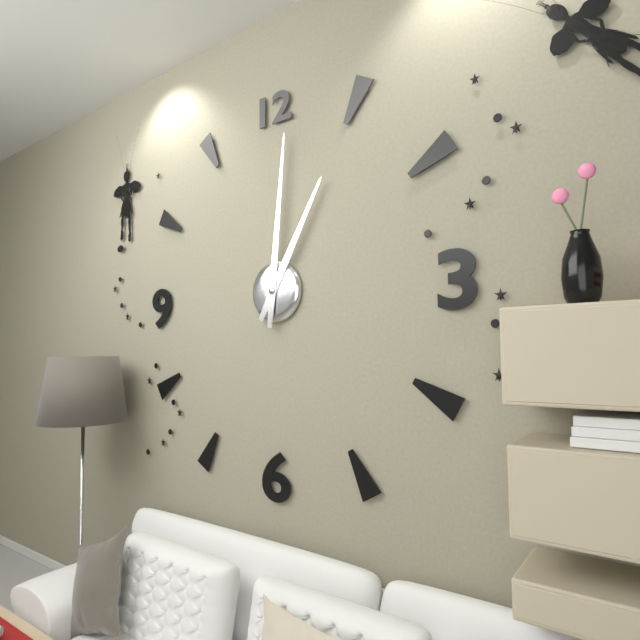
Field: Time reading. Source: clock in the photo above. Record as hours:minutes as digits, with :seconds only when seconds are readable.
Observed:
1:01
